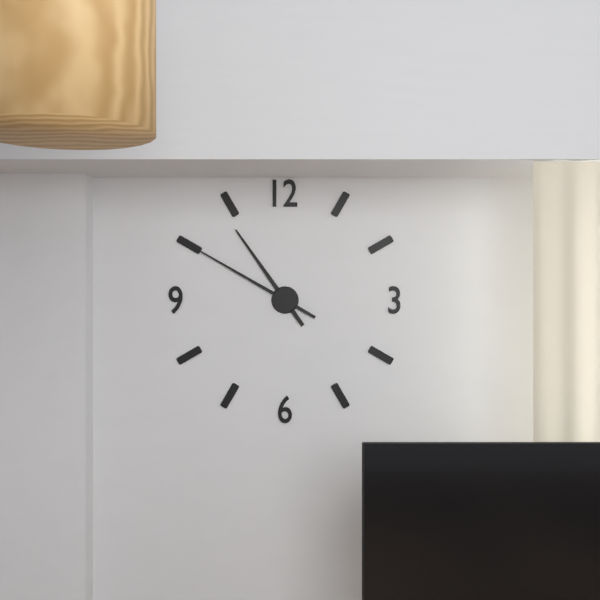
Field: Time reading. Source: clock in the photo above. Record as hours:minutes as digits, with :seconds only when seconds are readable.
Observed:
10:50
